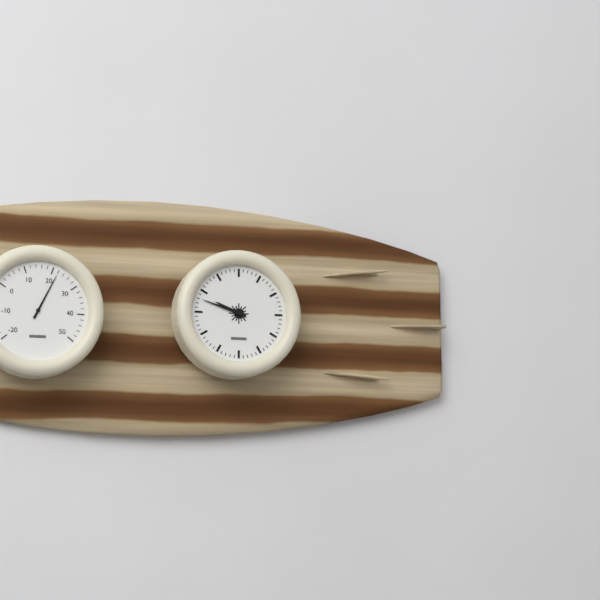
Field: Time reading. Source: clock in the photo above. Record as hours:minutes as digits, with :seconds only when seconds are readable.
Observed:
9:48
